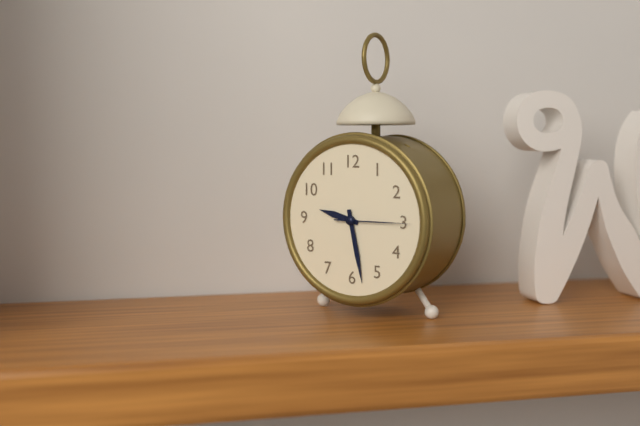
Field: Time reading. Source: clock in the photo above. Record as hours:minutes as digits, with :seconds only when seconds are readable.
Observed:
9:28:15
